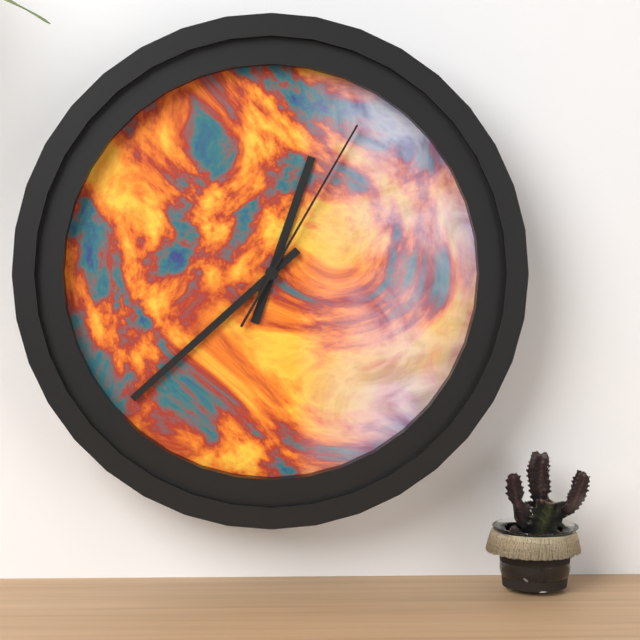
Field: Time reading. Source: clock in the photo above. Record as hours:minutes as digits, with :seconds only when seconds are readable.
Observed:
12:38:05
